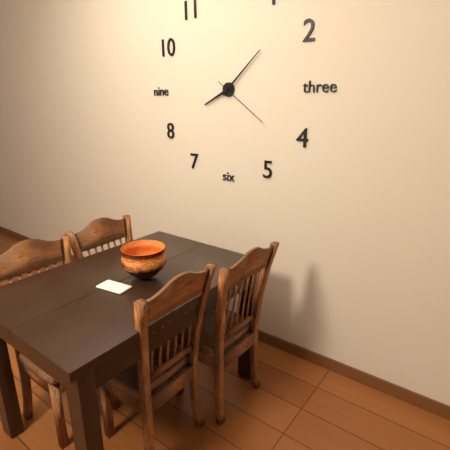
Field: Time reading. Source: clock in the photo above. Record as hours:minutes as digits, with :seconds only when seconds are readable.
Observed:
8:08:21
